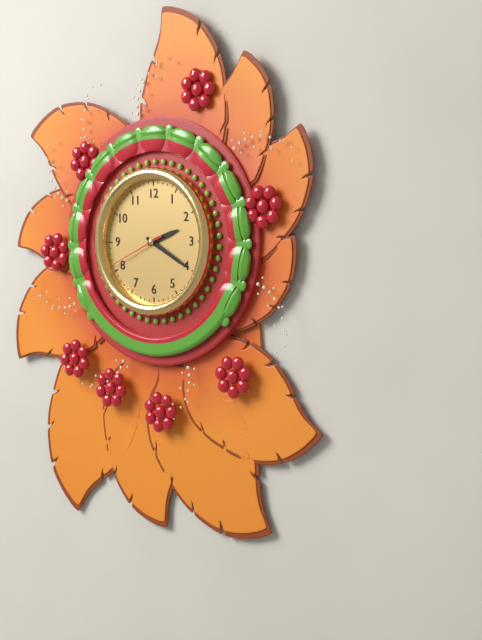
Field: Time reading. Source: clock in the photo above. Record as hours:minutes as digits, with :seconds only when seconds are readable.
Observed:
2:20:41
